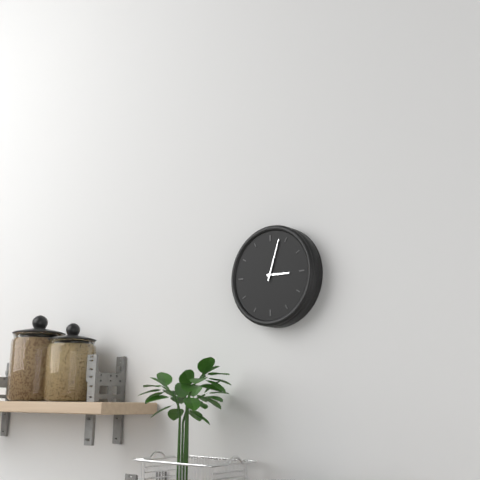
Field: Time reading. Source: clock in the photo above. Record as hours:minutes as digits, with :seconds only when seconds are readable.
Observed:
3:03
